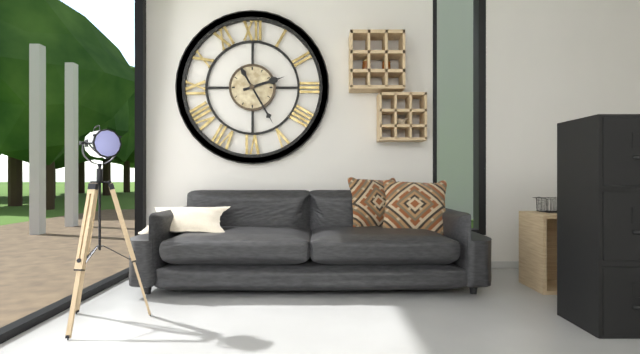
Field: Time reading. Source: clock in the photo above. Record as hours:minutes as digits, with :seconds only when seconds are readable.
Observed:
2:25
